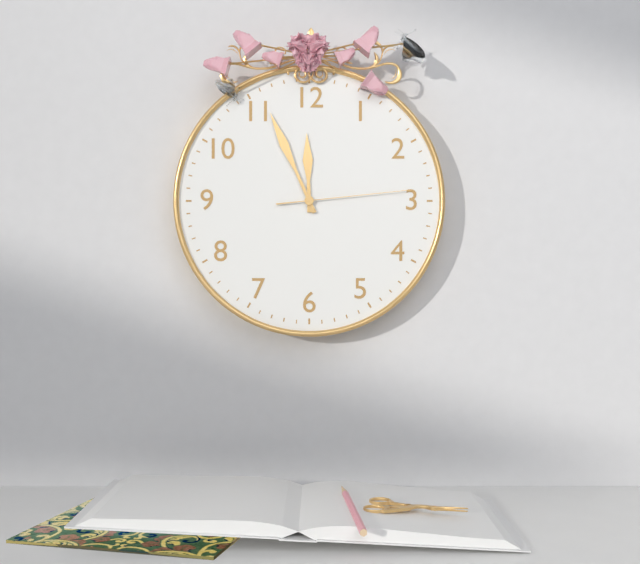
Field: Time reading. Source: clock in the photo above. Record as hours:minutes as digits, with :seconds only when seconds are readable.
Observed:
11:56:14
